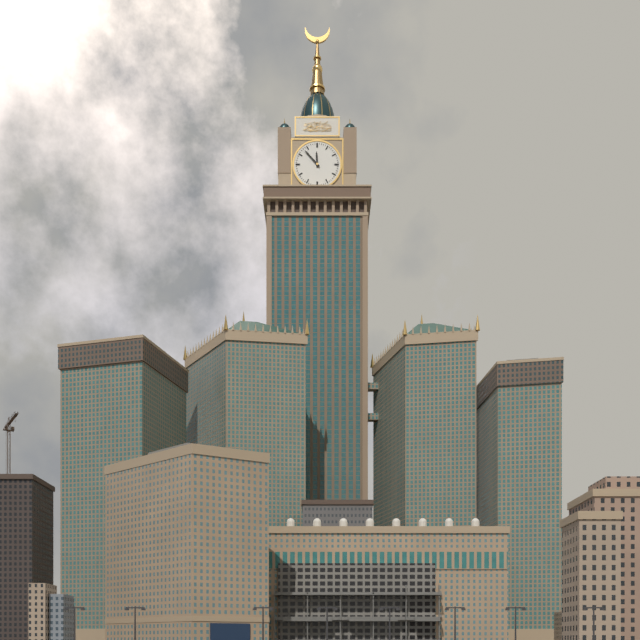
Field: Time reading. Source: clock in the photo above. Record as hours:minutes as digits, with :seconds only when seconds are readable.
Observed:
11:53
